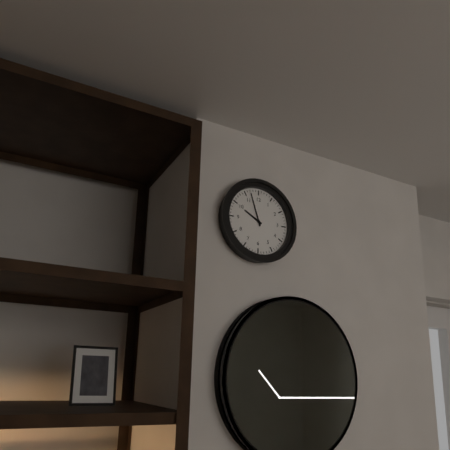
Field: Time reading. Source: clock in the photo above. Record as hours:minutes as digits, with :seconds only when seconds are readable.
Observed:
9:57
